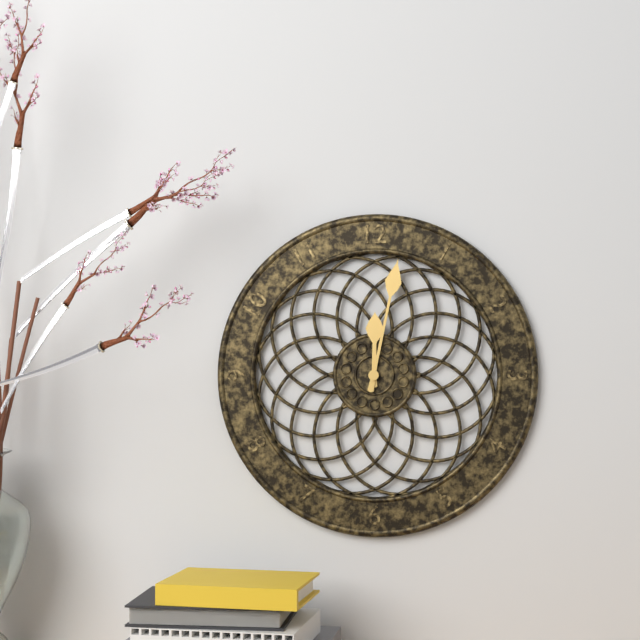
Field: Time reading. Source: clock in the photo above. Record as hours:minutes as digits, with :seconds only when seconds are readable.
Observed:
12:02
